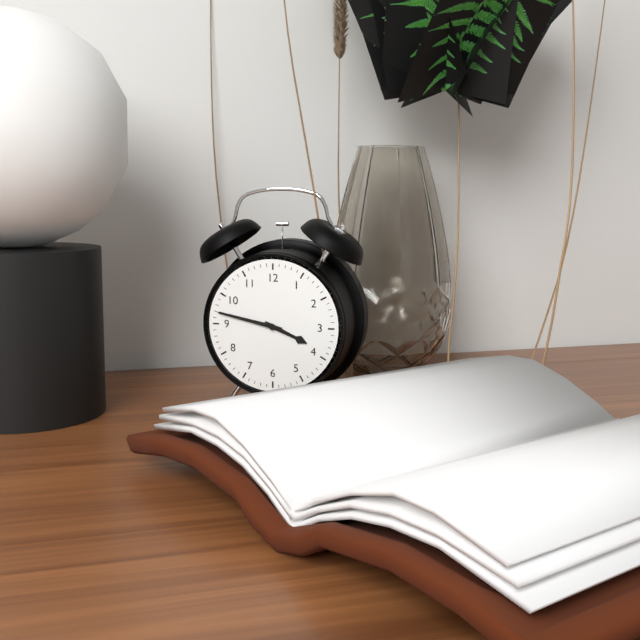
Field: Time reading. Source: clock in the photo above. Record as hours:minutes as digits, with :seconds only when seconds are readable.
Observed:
3:47
